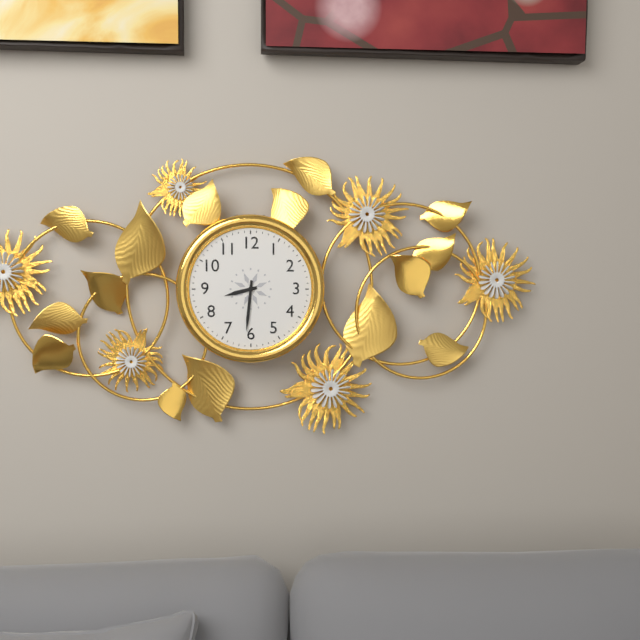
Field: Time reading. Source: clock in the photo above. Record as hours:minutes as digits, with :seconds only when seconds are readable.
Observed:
8:31
